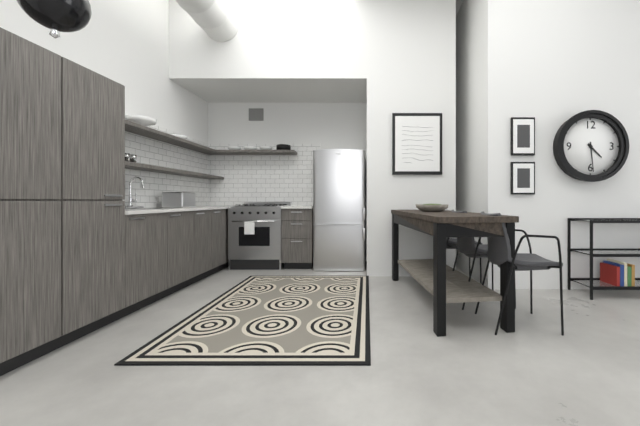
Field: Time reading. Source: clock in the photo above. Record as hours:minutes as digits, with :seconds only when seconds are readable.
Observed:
4:29
